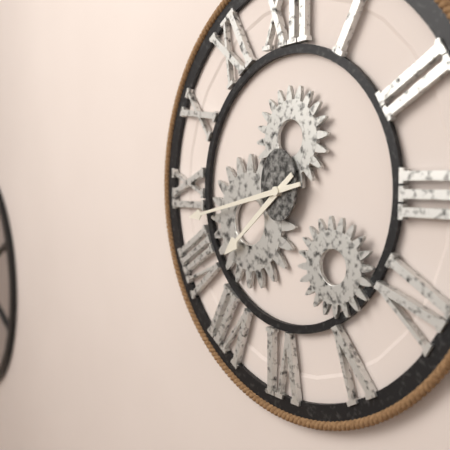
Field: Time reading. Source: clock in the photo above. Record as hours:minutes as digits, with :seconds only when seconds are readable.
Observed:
7:43
